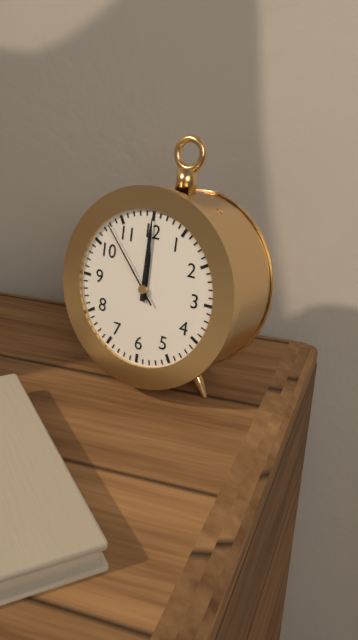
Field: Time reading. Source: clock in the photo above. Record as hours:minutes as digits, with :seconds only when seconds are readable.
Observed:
12:00:53
